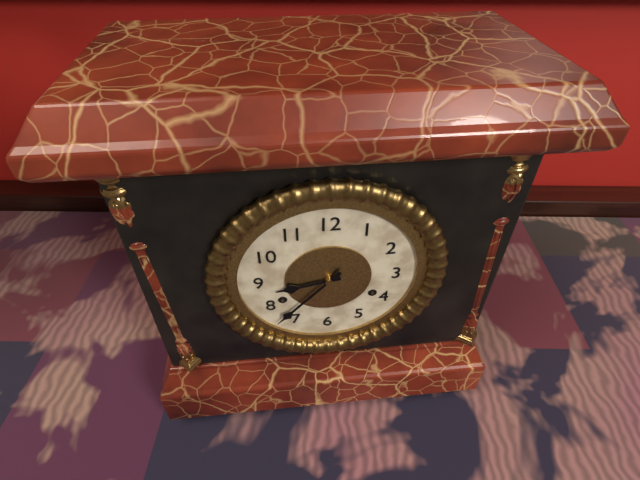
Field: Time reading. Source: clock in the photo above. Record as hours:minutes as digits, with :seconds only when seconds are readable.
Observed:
8:37
